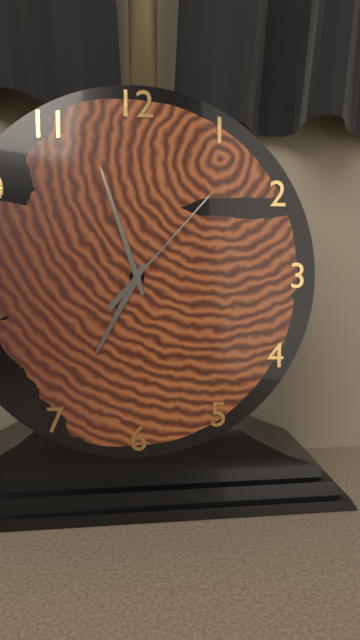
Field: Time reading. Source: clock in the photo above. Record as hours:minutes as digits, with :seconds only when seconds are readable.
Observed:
6:57:07
